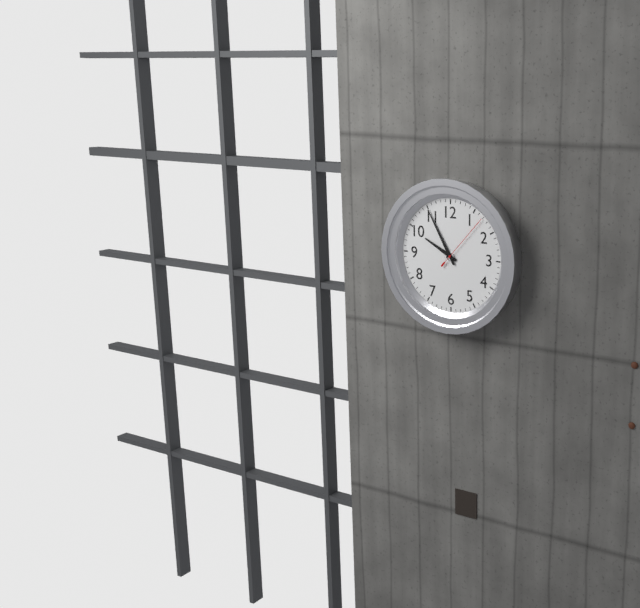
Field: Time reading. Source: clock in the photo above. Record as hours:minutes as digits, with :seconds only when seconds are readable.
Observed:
9:55:07
